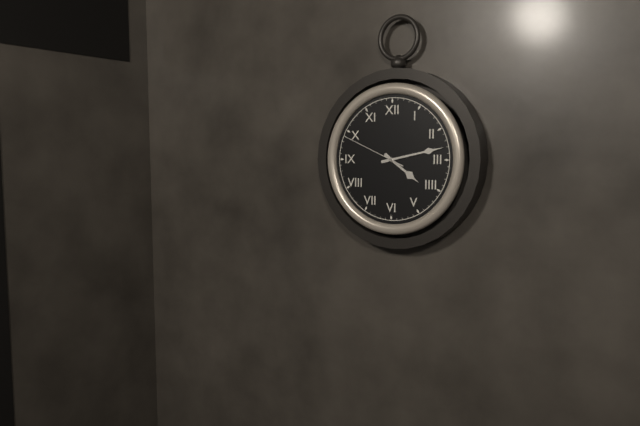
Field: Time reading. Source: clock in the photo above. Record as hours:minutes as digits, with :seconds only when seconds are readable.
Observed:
4:13:49
